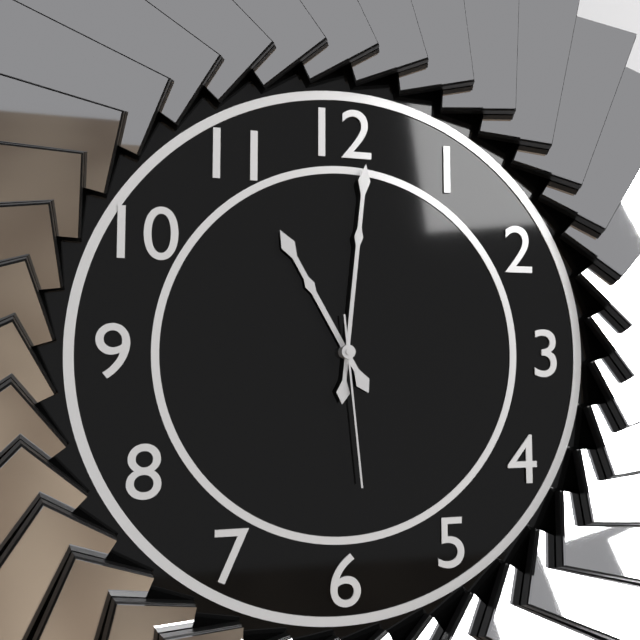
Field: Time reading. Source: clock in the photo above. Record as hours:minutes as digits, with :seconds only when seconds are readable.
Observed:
11:01:29
